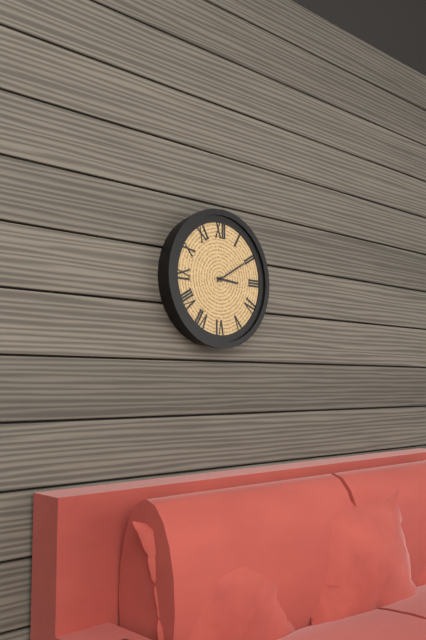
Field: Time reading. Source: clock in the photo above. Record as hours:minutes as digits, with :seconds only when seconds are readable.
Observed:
3:10
